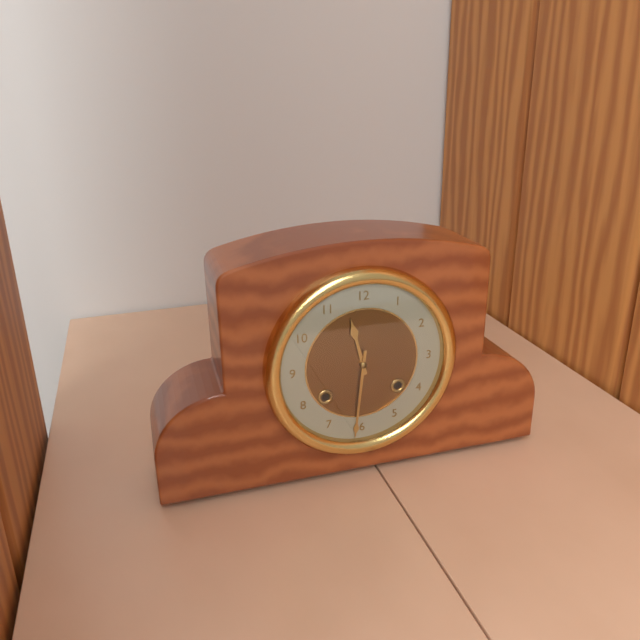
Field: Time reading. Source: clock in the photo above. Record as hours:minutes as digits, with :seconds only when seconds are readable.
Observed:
11:31
